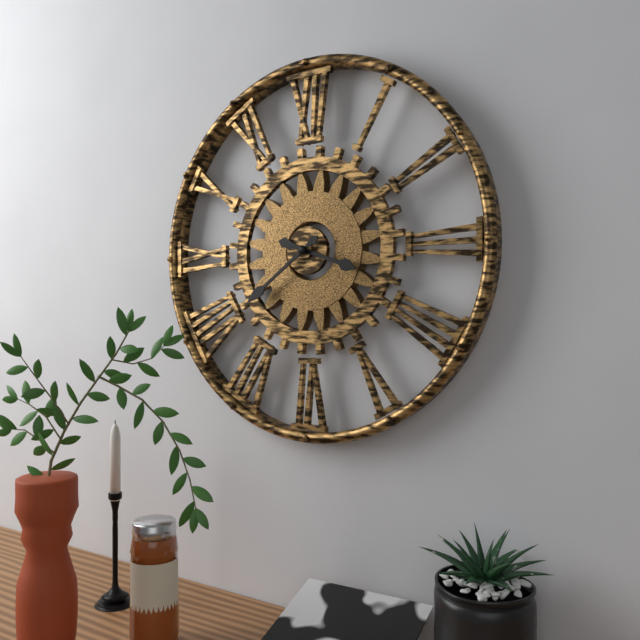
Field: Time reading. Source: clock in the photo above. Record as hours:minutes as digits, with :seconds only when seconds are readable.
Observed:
3:39
